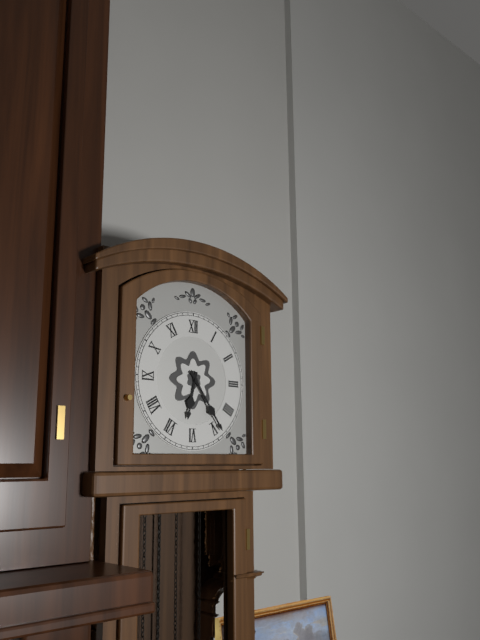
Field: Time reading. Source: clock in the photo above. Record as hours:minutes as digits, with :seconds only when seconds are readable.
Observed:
6:24
